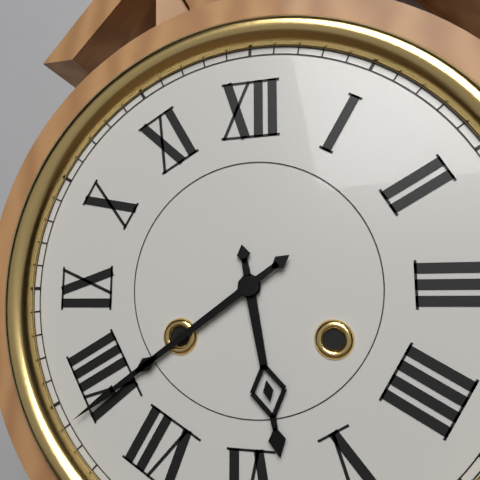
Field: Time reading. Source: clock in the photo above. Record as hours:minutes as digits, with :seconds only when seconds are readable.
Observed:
5:39
